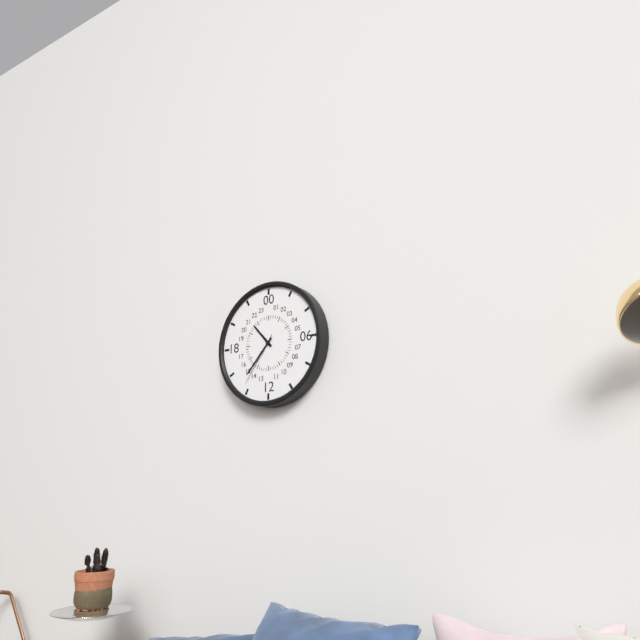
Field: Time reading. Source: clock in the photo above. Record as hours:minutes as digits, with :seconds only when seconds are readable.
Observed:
10:37:36
